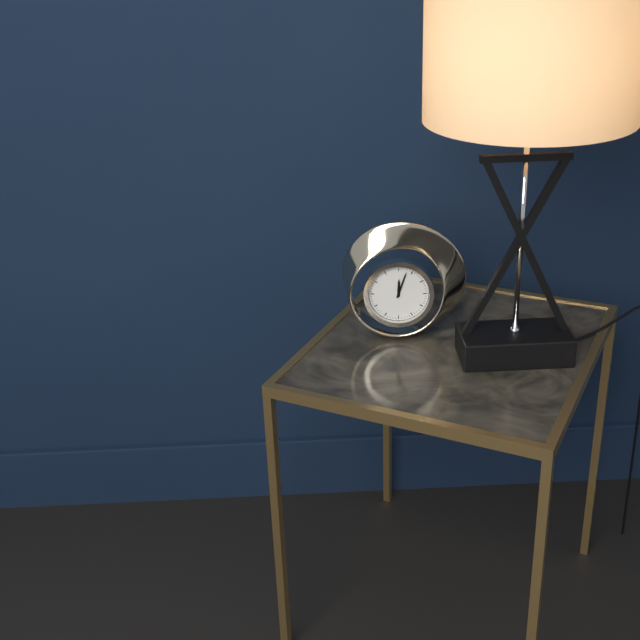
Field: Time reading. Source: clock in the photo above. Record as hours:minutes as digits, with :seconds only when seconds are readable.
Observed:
12:03
